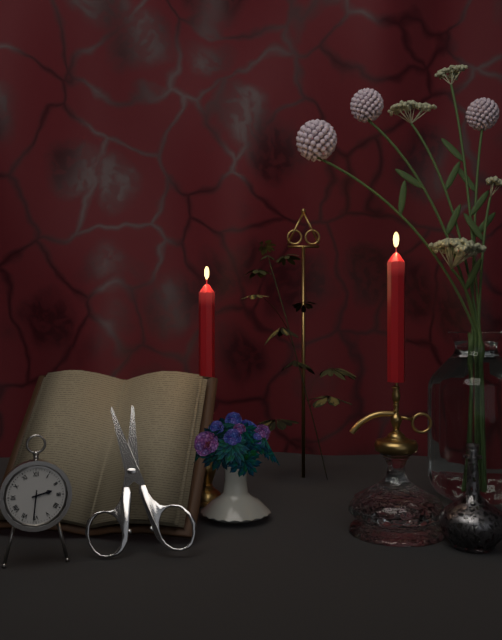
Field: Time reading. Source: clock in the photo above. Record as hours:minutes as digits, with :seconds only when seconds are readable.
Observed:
2:31
